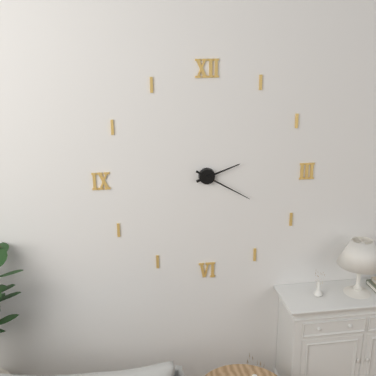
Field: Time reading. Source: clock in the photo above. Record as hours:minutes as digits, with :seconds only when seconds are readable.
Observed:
2:20
